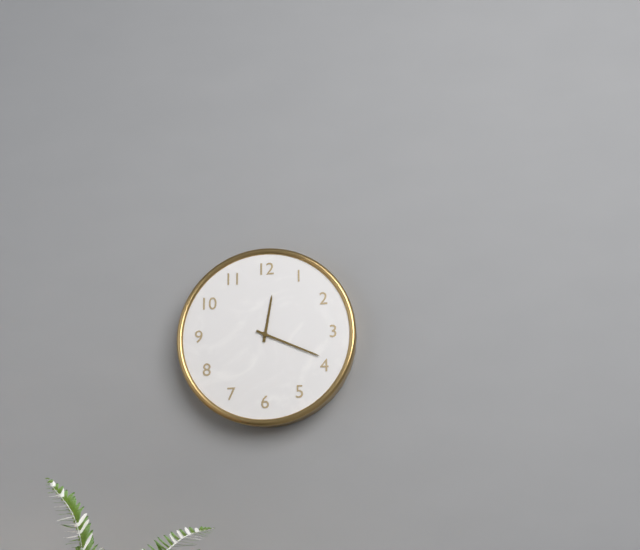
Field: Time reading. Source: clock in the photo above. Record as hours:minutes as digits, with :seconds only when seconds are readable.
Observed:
12:19
